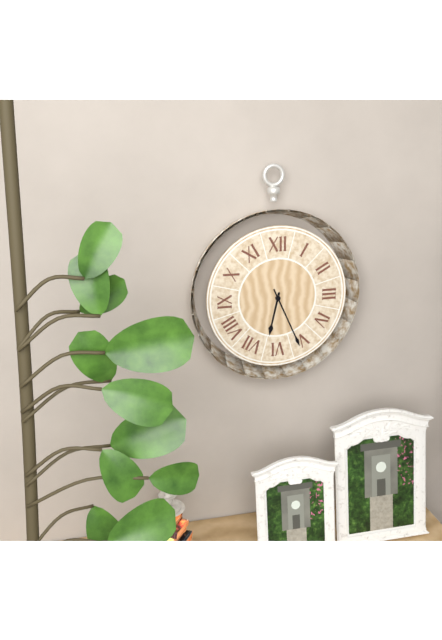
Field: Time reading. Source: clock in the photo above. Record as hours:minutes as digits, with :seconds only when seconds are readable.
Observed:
6:26
